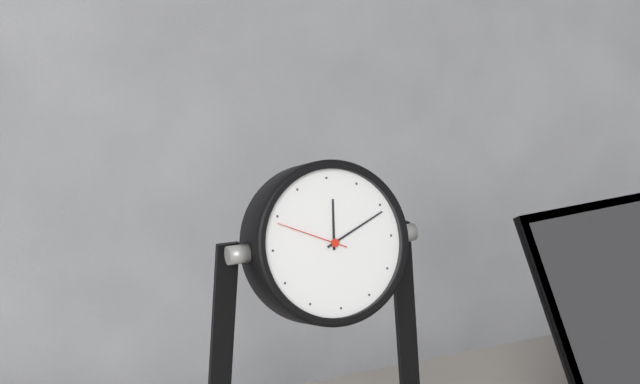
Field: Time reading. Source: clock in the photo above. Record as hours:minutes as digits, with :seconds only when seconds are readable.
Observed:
12:11:49
